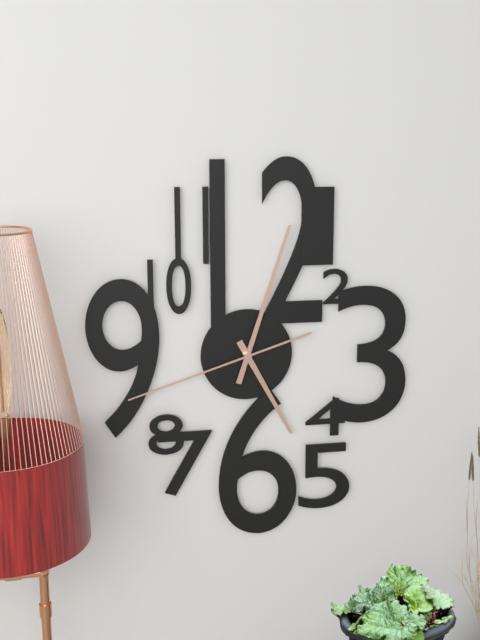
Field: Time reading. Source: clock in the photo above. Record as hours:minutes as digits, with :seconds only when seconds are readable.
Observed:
5:03:42
